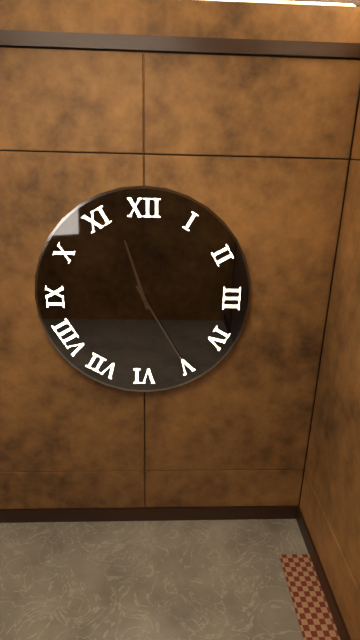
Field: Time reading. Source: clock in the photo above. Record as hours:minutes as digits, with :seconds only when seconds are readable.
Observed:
11:25
